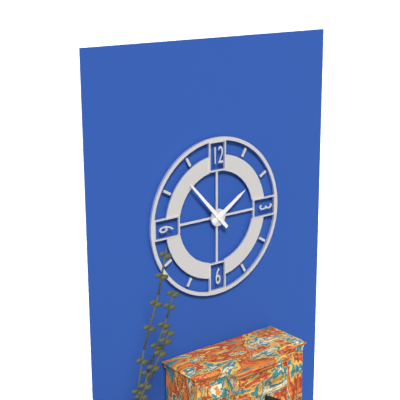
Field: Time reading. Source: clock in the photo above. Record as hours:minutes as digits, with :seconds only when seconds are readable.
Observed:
1:53
